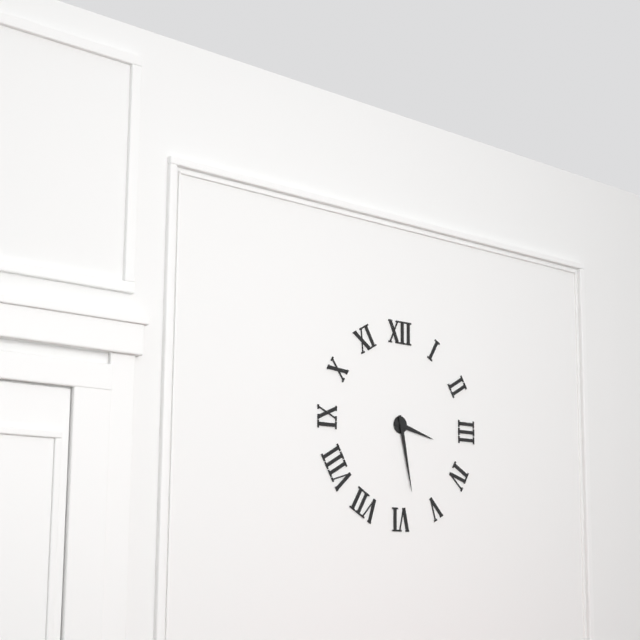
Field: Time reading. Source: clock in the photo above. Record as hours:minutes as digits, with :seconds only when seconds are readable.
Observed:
3:28
